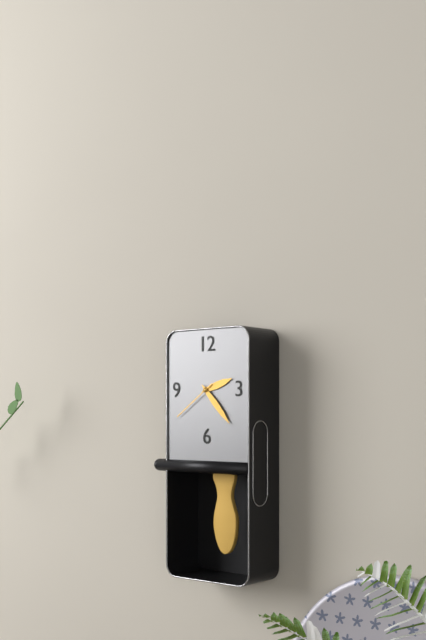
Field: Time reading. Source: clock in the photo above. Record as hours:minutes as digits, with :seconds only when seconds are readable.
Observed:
2:23:39
